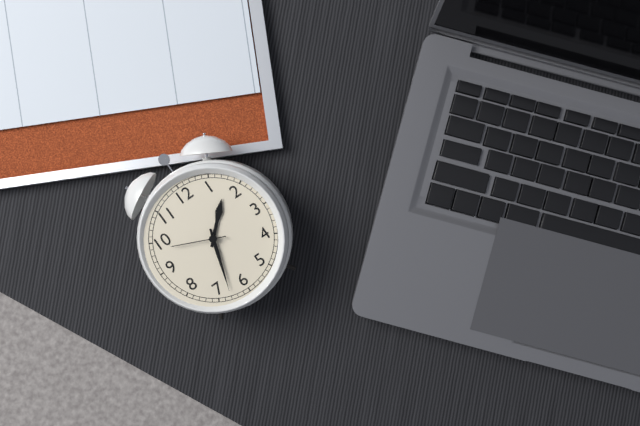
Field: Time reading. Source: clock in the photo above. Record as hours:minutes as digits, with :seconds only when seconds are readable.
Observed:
1:33:49
